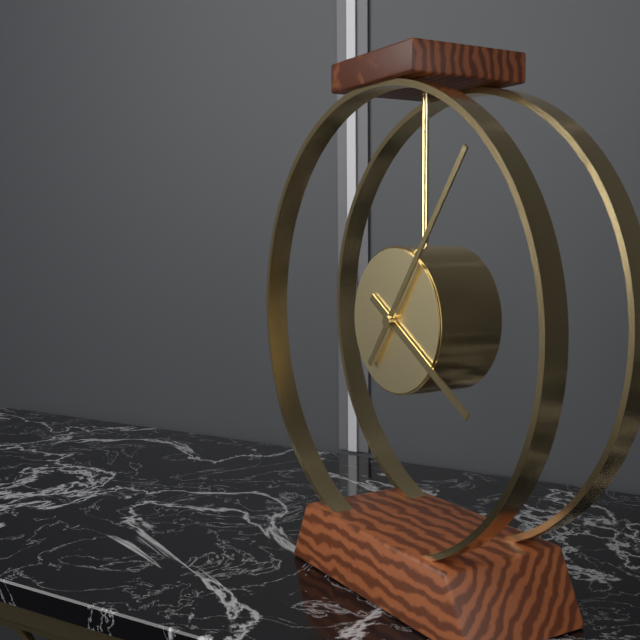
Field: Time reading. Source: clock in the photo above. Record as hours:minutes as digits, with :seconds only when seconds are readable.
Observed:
4:06
